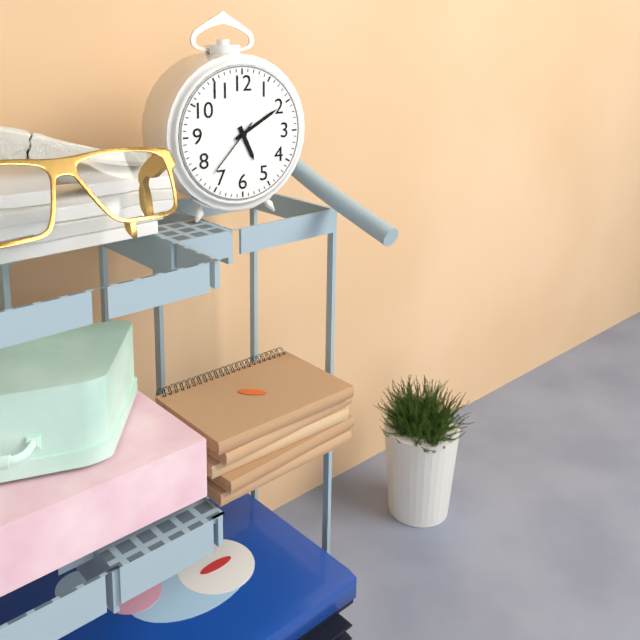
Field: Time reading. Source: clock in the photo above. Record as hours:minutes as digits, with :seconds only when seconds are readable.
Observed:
5:10:37
